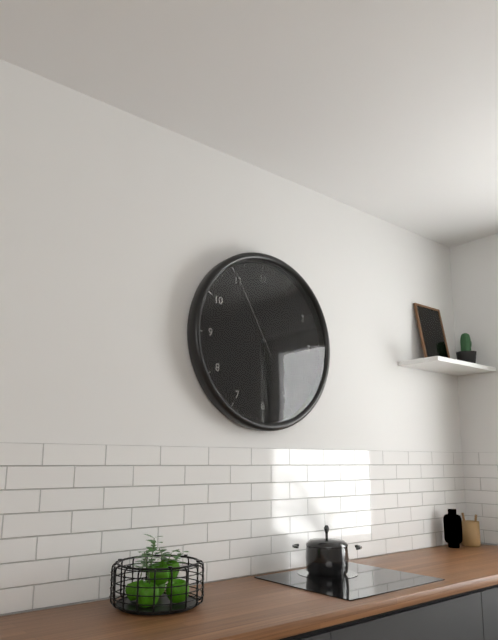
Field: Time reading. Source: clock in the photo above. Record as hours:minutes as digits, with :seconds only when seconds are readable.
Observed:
5:29:55
